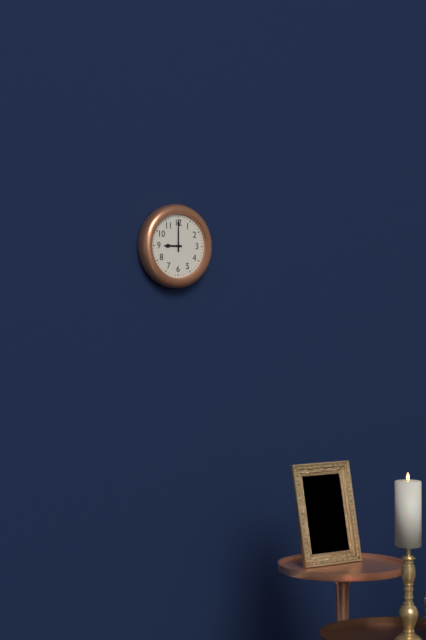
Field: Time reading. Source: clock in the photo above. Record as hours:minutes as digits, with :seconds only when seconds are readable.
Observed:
9:00
